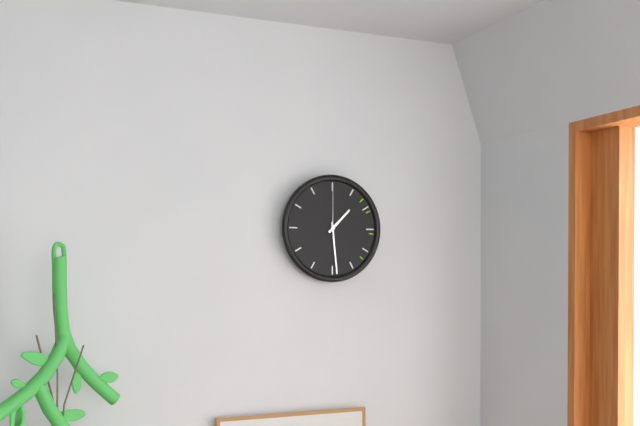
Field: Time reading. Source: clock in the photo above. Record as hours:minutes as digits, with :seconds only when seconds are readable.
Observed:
1:29:00
